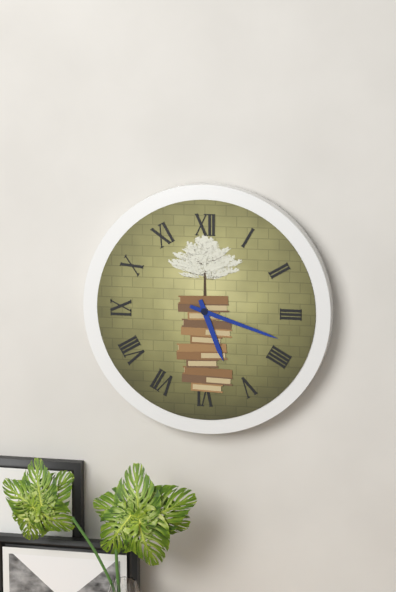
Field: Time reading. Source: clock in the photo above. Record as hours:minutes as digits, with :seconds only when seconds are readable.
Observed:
5:18
